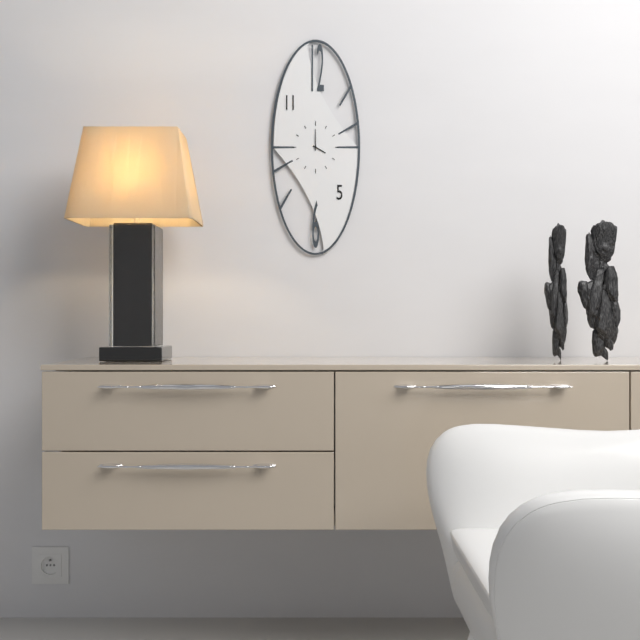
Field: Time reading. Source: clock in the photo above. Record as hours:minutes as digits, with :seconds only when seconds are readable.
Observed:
4:00
